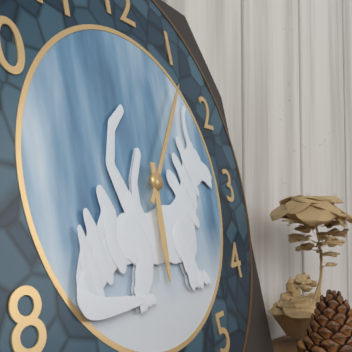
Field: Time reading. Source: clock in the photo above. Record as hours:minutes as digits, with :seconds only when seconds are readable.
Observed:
6:06
